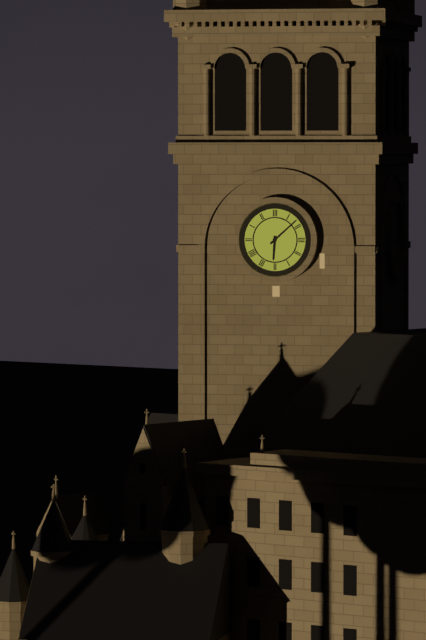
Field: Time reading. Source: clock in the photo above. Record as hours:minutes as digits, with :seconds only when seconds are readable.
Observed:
6:08
